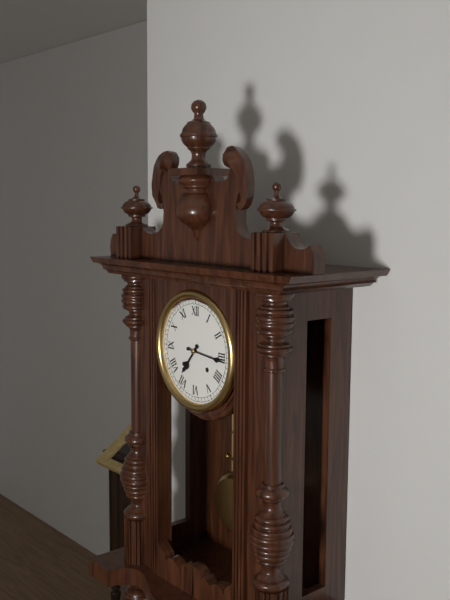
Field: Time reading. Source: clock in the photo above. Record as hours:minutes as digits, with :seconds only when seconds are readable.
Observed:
7:16
